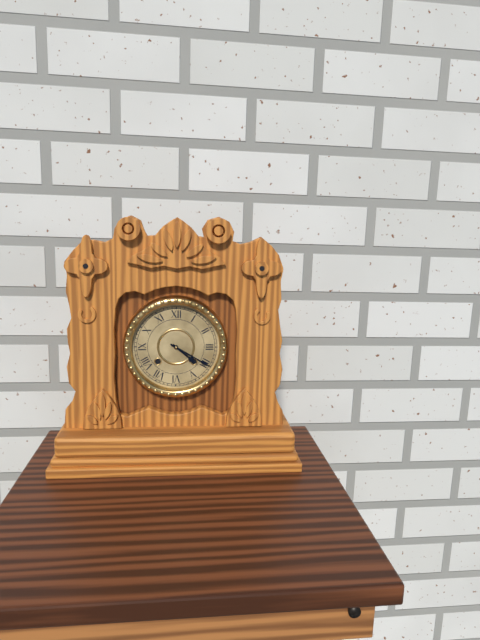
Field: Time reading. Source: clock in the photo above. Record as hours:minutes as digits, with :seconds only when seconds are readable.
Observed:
4:20
